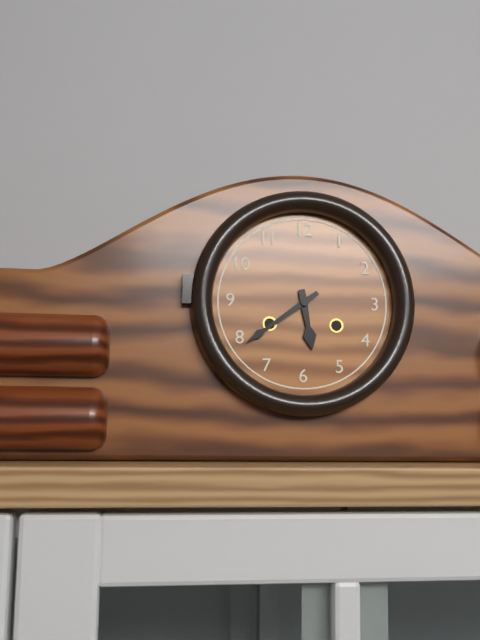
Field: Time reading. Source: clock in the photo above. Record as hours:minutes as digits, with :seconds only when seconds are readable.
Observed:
5:39
